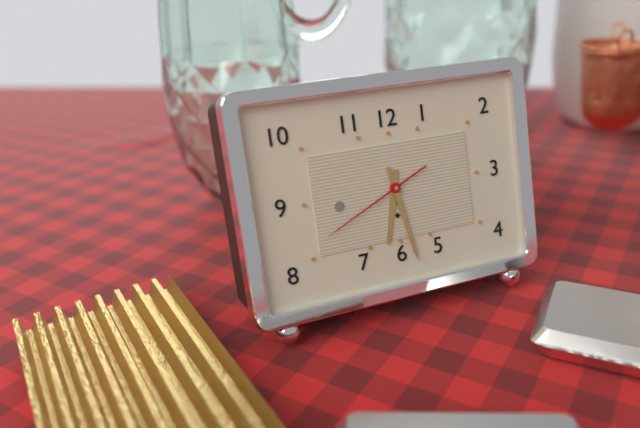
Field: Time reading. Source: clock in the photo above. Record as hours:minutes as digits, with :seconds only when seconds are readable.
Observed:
6:28:41
